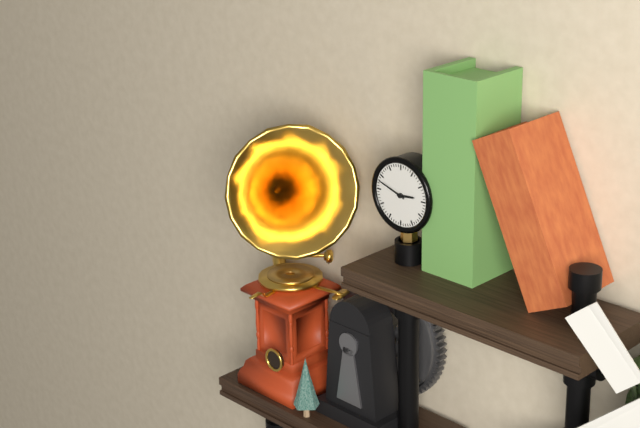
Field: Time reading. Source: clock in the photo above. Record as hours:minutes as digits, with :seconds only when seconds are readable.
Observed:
2:48
